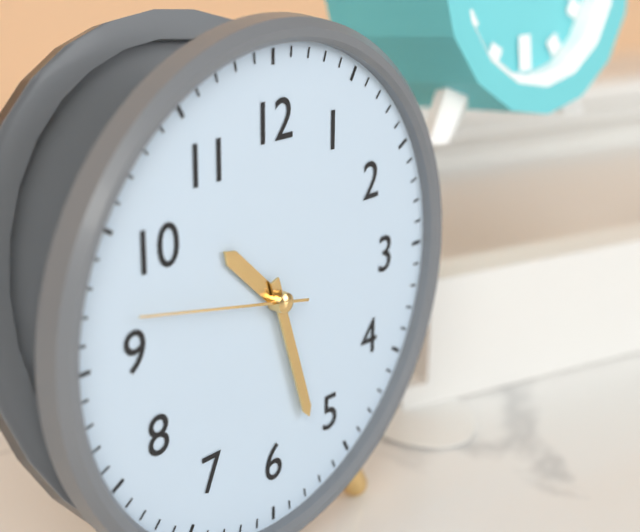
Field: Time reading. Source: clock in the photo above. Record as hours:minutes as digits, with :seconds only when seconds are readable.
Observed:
10:27:47
